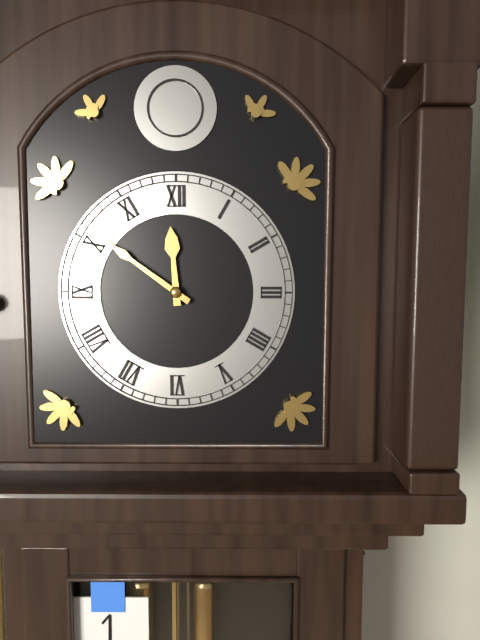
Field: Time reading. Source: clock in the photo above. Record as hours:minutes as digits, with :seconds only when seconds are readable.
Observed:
11:51
